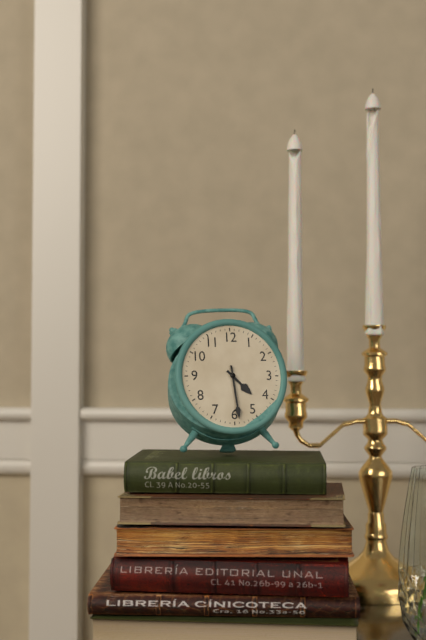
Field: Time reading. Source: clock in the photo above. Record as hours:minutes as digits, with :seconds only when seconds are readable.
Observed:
4:29
